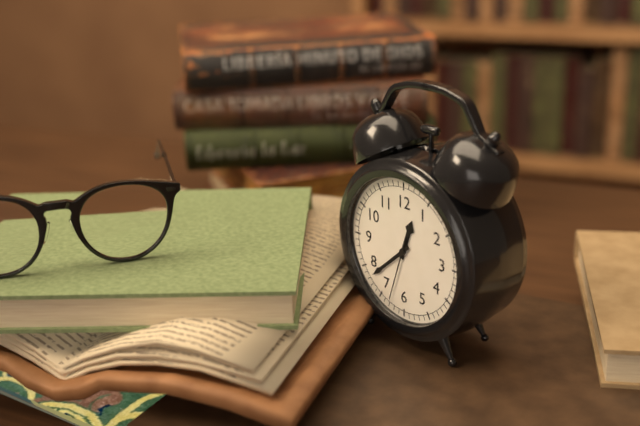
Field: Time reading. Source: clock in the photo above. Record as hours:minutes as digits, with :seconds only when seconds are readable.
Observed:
12:38:33
